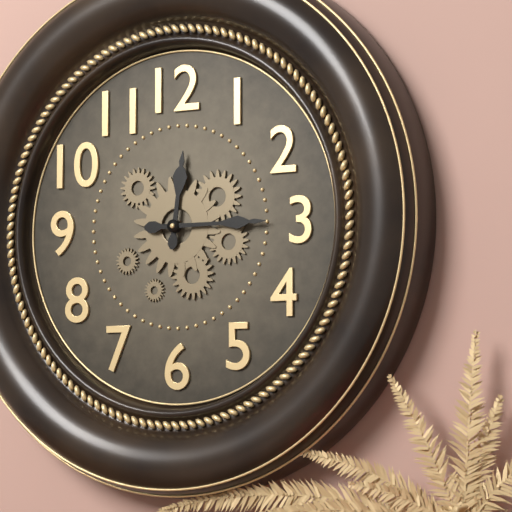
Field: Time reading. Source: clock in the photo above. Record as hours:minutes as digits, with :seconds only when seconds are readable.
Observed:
12:15
